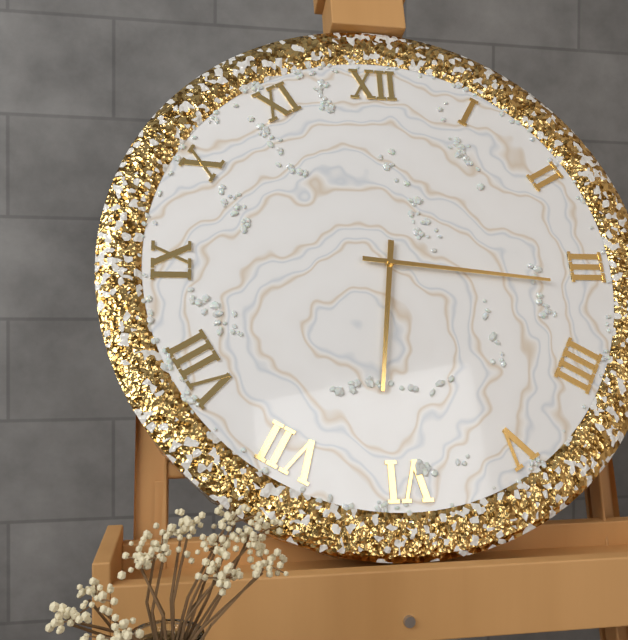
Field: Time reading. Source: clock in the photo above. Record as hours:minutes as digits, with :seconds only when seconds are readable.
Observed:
6:16
